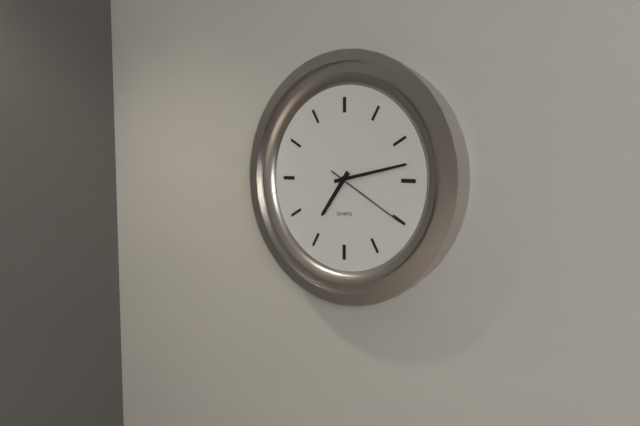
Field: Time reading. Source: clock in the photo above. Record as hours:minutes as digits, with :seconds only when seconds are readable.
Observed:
7:13:20
